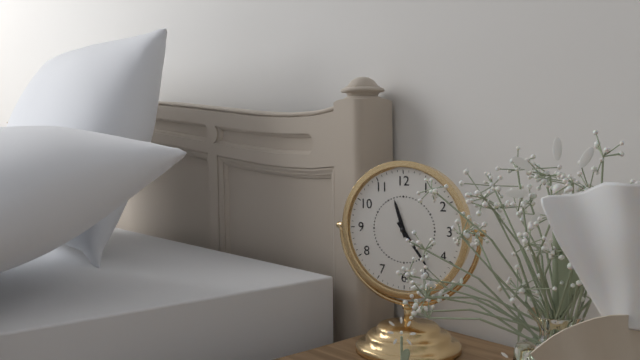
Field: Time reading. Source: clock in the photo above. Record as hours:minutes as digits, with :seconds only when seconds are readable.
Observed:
11:24
